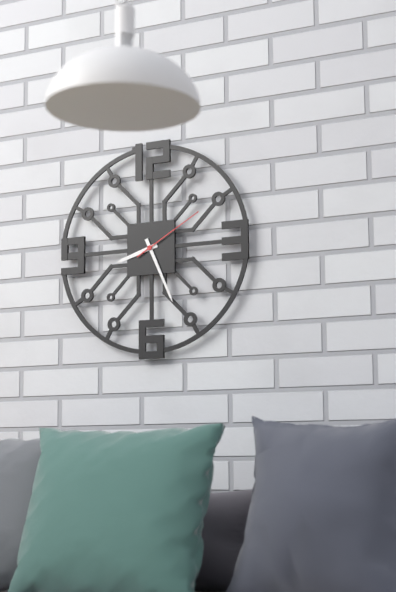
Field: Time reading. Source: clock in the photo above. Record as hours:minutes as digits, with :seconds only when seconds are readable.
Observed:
8:26:10
